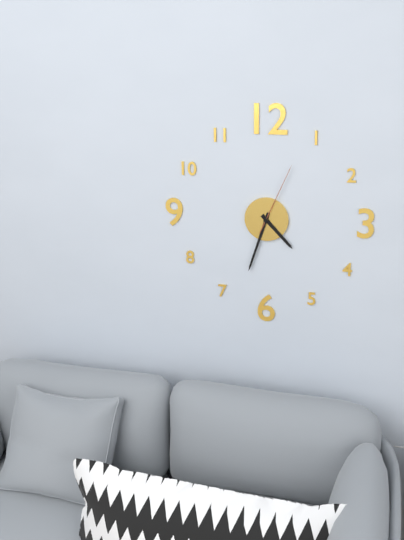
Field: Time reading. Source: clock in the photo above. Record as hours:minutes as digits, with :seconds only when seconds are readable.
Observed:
4:33:04
